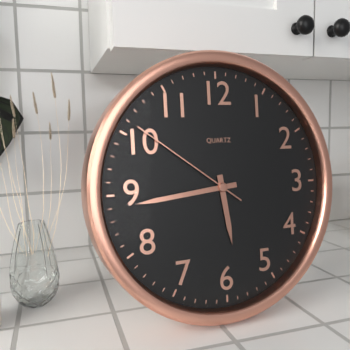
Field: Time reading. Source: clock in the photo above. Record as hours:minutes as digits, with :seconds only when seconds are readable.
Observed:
5:44:51
